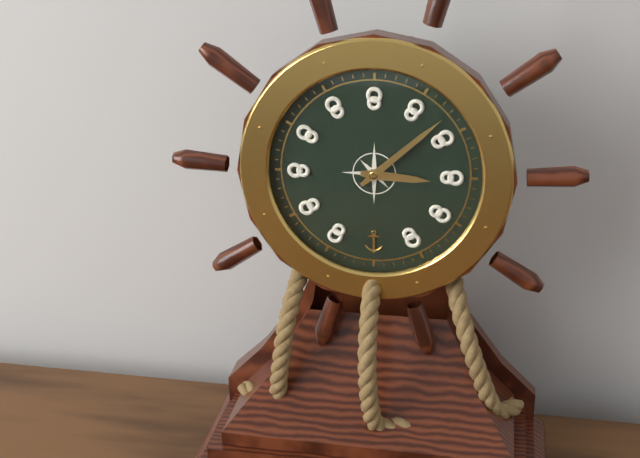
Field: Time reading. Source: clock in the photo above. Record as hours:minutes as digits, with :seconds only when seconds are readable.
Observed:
3:08
